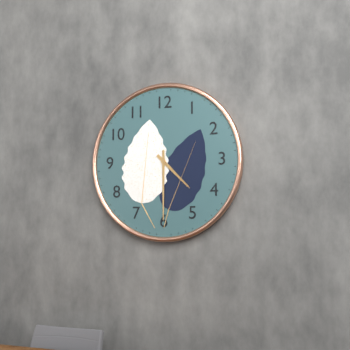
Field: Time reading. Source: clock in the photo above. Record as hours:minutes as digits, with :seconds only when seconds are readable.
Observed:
4:30
